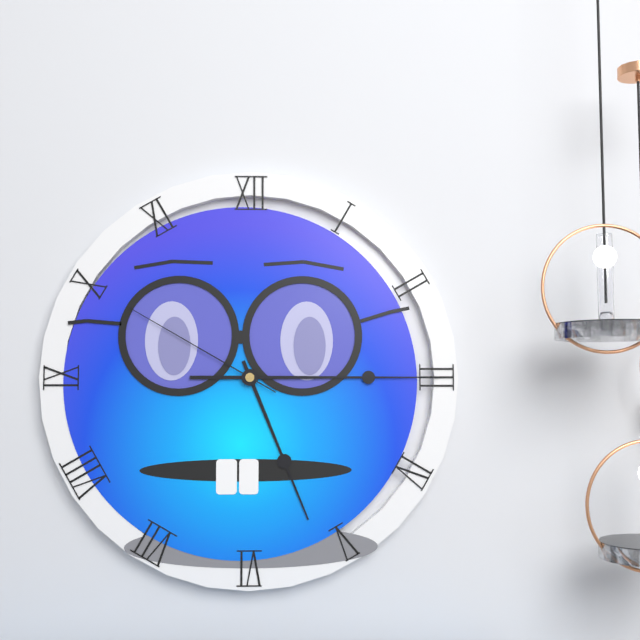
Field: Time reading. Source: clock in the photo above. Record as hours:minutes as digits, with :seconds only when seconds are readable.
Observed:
5:15:50
